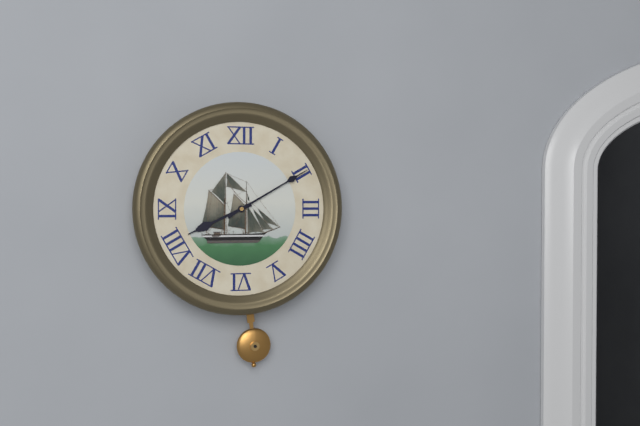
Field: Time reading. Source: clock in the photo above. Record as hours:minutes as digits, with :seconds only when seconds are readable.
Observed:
8:10
